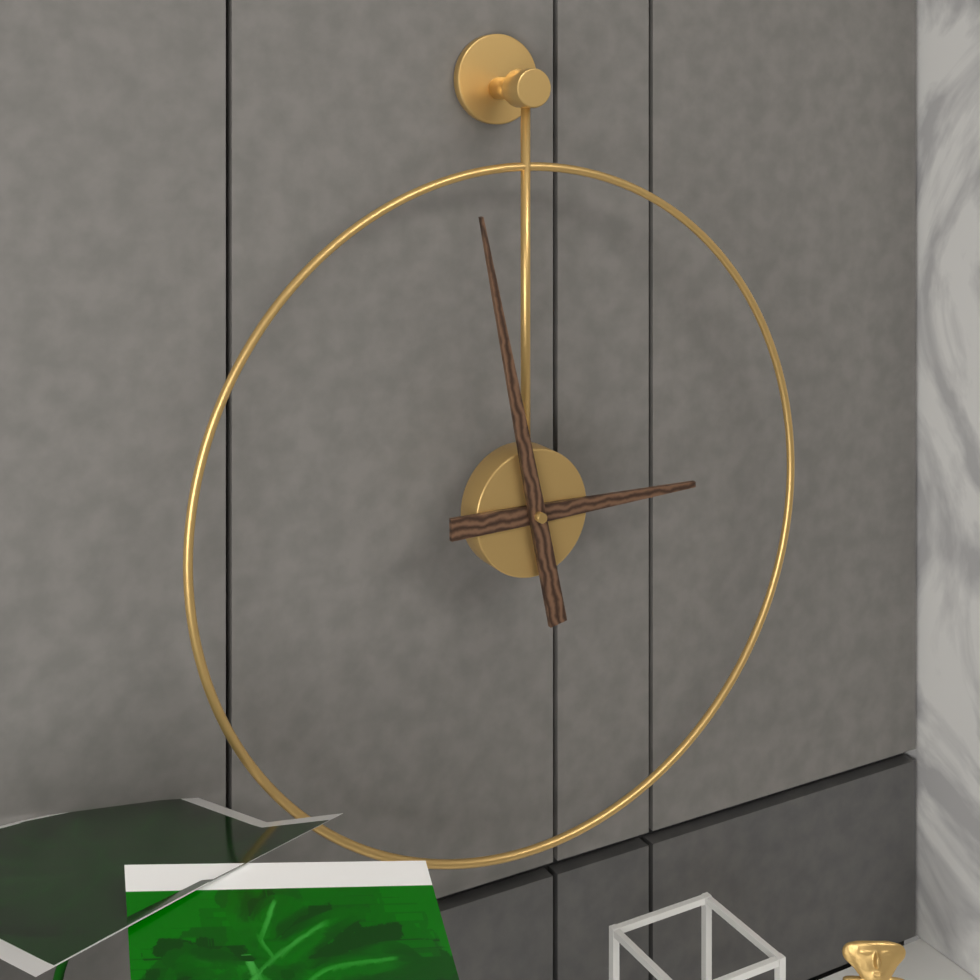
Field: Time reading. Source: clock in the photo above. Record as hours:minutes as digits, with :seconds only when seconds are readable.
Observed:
2:58
